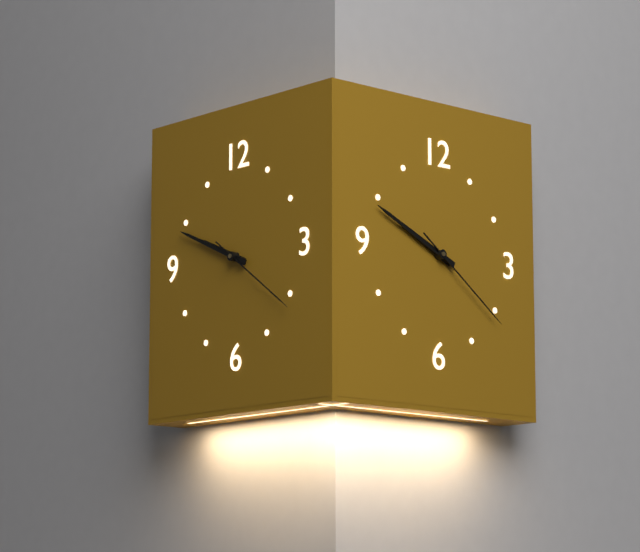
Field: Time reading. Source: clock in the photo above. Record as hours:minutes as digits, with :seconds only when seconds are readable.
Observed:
9:49:21
